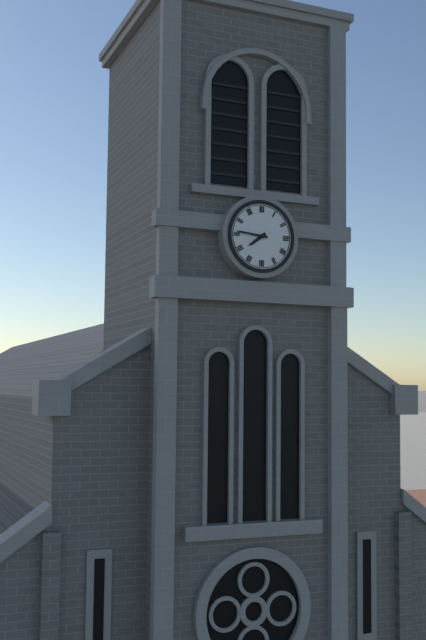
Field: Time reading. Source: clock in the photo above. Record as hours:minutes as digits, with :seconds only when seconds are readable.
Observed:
7:46
